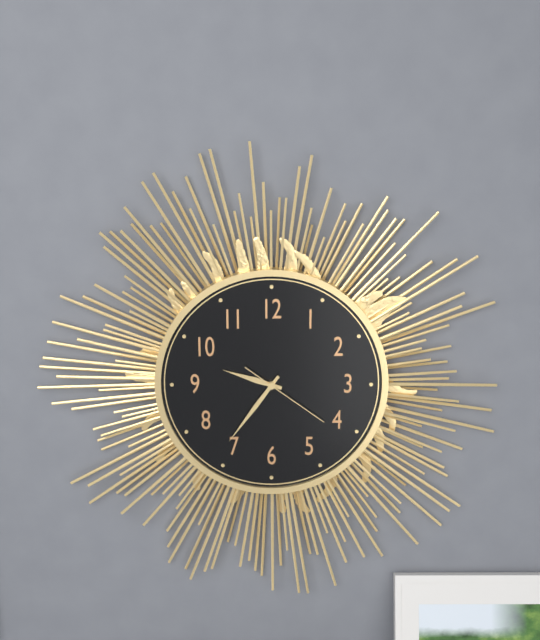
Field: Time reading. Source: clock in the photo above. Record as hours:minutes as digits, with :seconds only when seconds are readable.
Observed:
9:36:21
